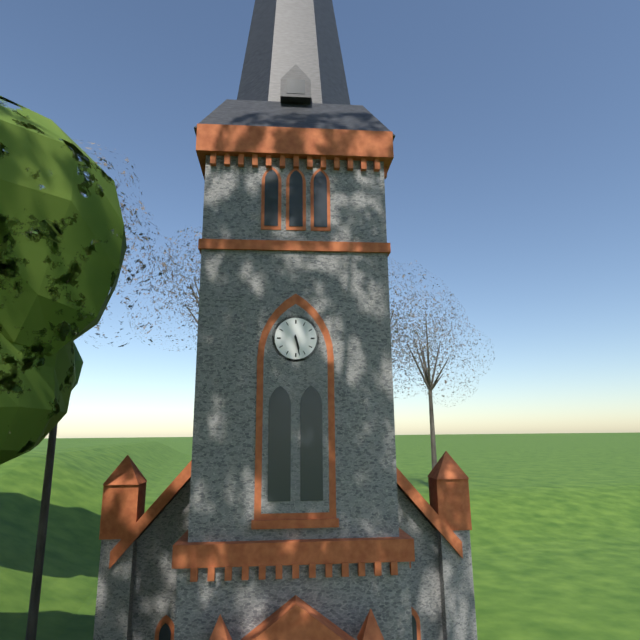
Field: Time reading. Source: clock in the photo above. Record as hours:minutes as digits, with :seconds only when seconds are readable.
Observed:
5:28
